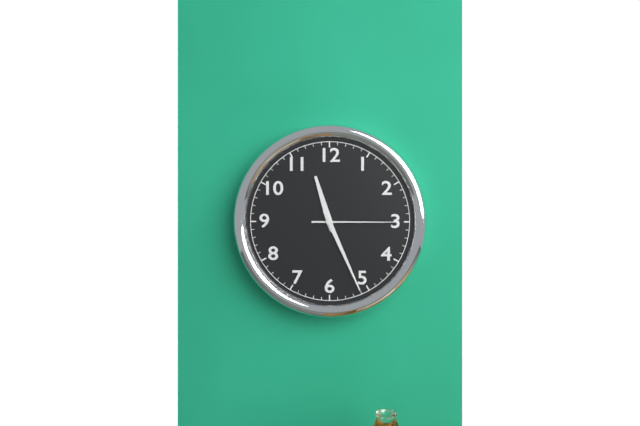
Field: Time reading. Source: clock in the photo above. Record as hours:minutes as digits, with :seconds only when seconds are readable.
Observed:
11:26:15
